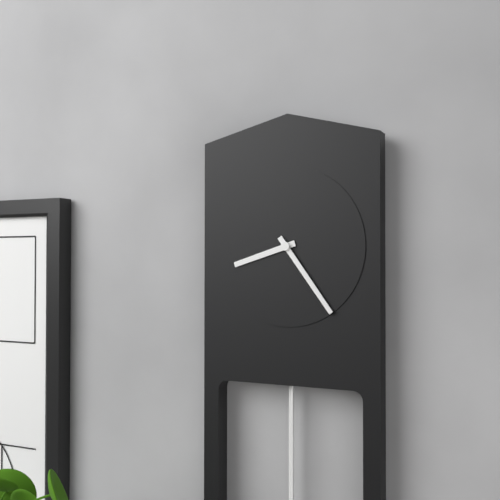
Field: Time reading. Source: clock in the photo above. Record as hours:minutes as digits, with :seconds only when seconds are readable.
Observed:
8:24
